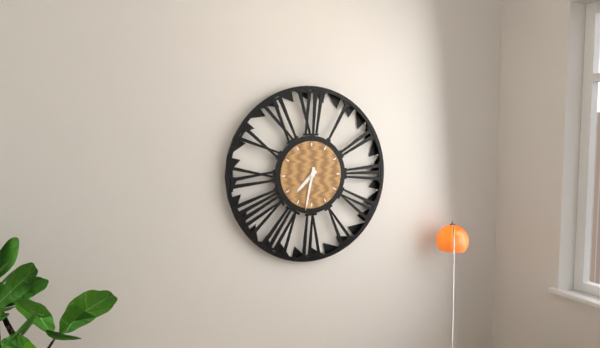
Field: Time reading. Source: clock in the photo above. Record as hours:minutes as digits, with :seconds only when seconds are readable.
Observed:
7:32
